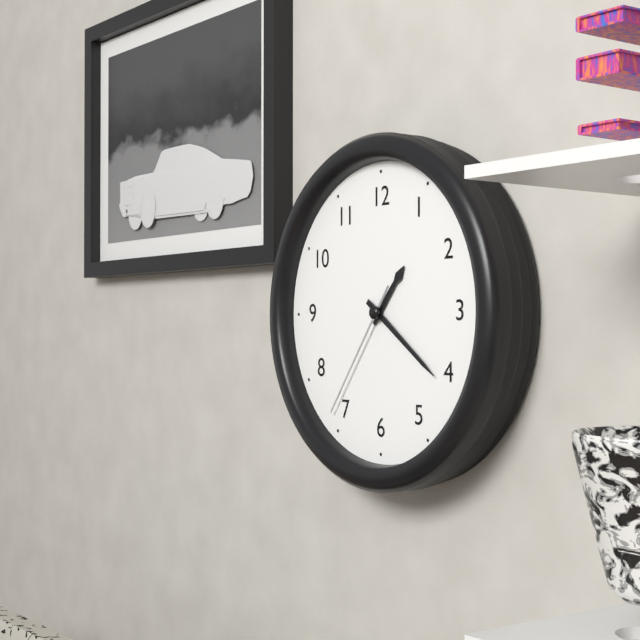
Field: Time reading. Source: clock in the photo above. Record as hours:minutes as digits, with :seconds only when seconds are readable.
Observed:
1:21:36
